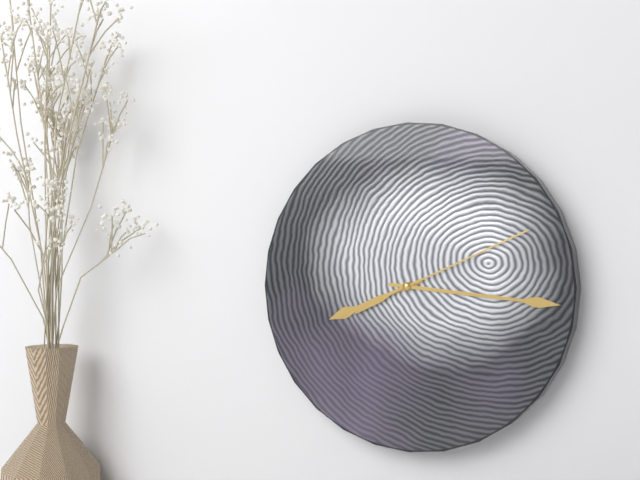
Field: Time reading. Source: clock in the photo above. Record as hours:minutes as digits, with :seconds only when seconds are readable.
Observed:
8:16:11
